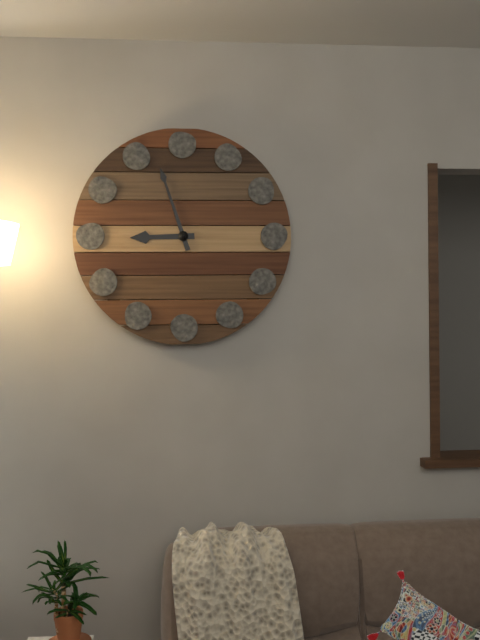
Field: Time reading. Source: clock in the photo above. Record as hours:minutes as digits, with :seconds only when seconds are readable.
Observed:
8:57
